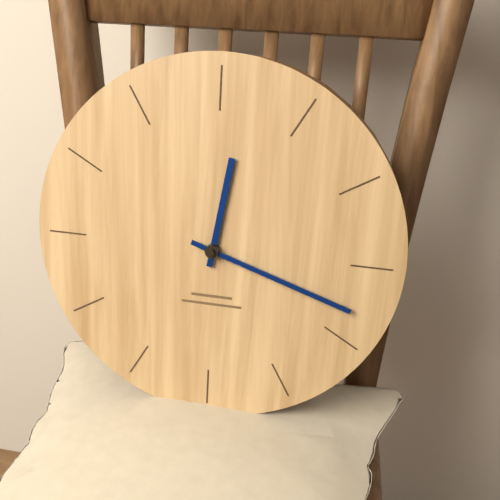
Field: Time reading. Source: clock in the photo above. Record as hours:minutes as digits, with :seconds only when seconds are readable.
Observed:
12:18
